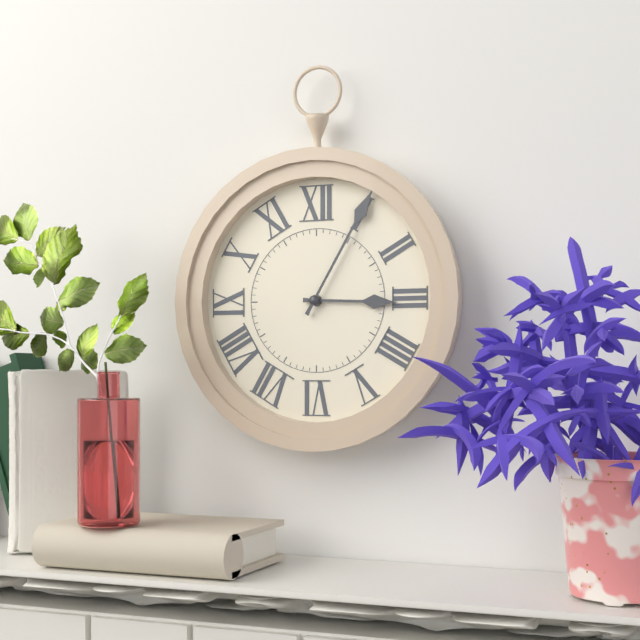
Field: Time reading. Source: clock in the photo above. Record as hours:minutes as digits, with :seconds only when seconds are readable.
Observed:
3:05
